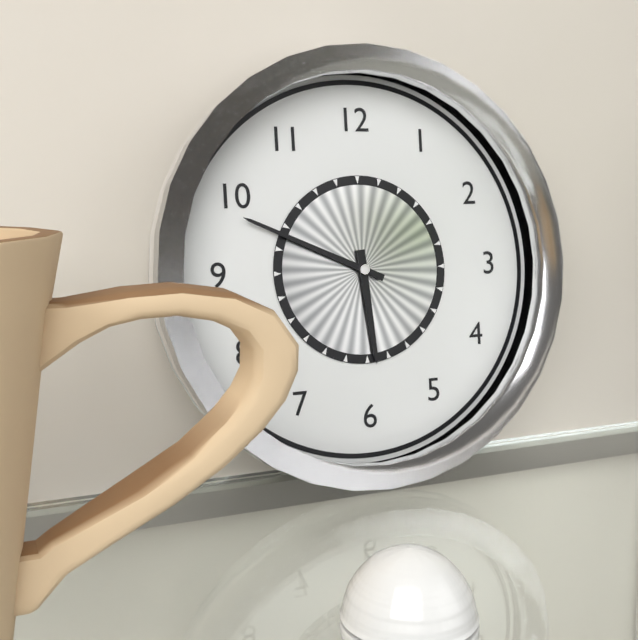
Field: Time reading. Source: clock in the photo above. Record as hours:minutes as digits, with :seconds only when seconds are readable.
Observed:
5:49
